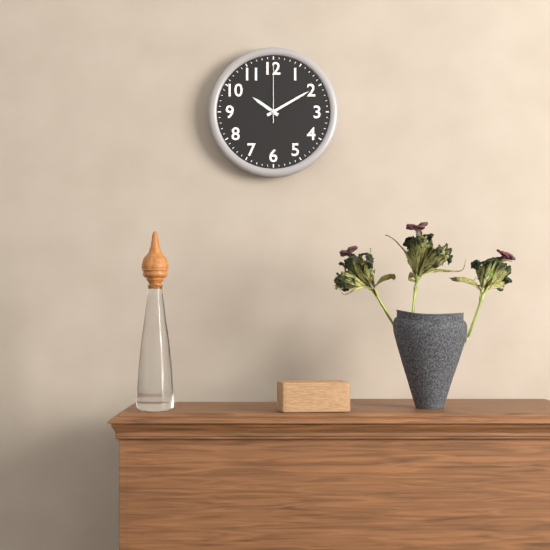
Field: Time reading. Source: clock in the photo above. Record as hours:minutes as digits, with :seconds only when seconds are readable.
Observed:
10:10:00
